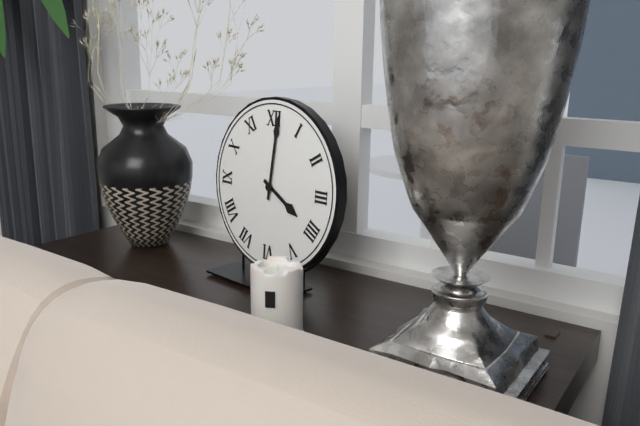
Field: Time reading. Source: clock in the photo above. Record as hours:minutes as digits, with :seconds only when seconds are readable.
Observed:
4:01
